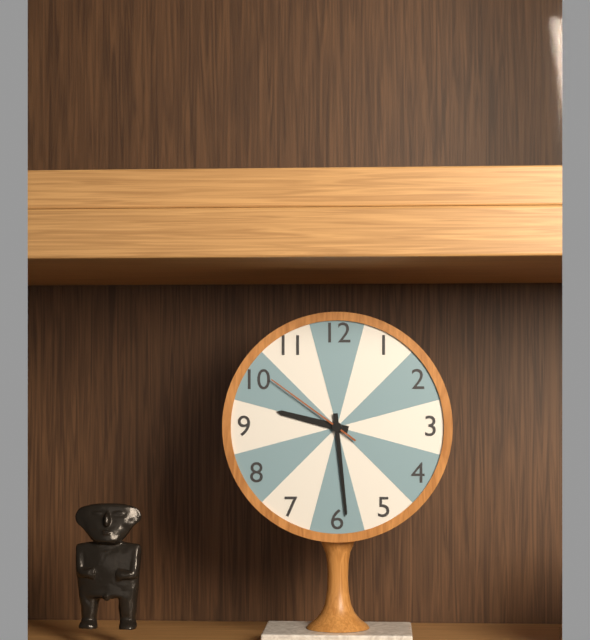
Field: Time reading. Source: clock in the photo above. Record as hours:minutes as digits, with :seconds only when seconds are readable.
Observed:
9:29:51
